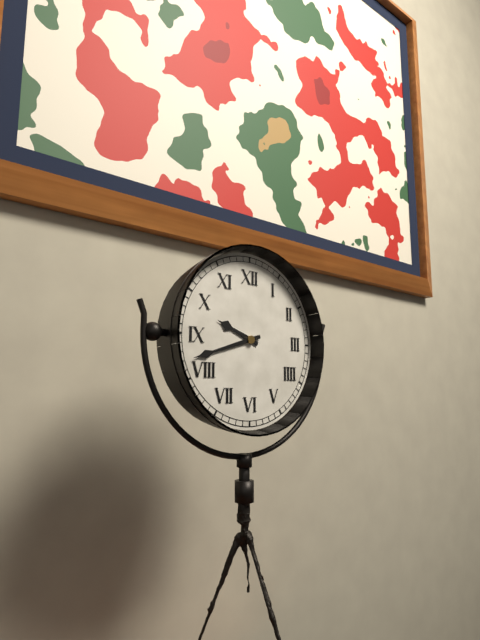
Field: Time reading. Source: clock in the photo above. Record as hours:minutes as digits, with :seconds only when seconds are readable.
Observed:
9:42
